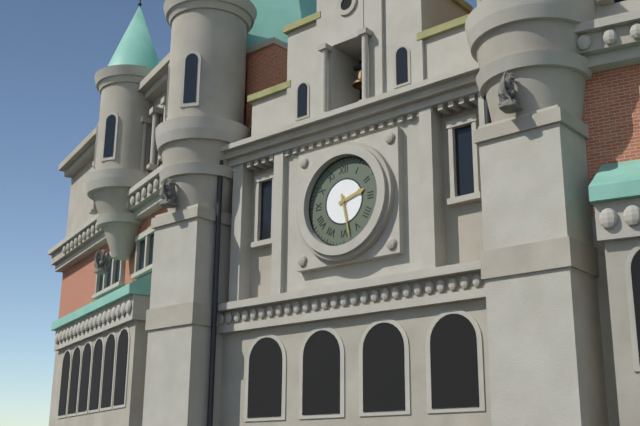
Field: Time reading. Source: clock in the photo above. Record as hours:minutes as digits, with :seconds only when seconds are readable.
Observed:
2:28
